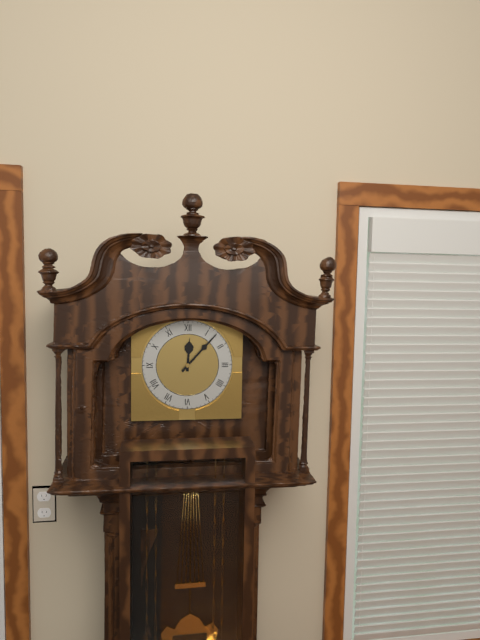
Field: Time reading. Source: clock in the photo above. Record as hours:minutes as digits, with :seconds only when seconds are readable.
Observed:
12:07
